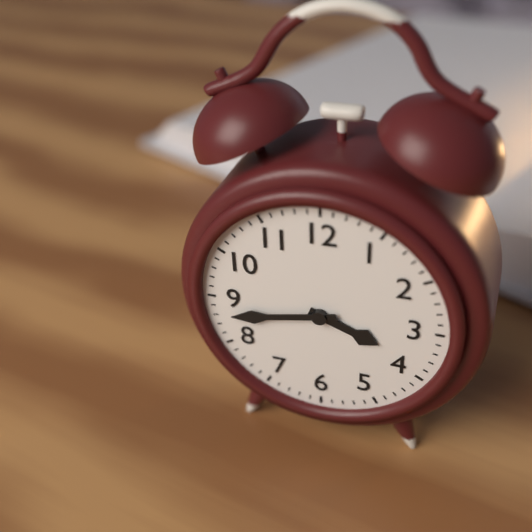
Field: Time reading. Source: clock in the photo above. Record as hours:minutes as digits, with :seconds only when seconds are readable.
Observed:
3:43
